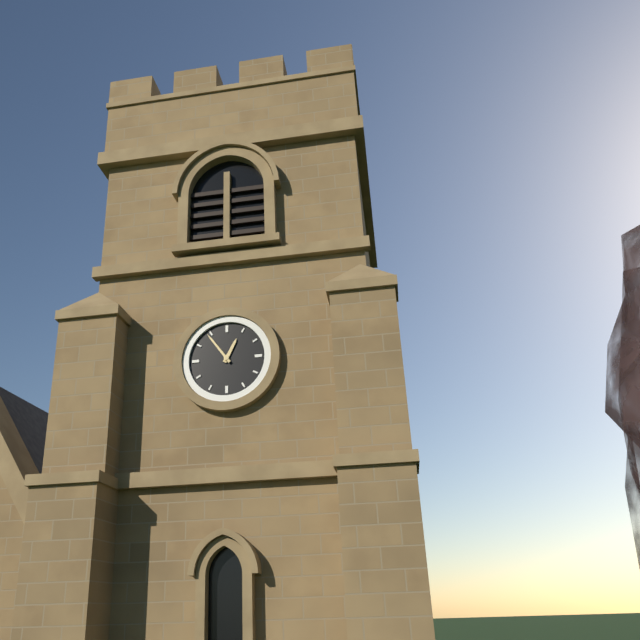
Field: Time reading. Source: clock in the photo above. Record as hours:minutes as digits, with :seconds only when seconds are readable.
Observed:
12:54
